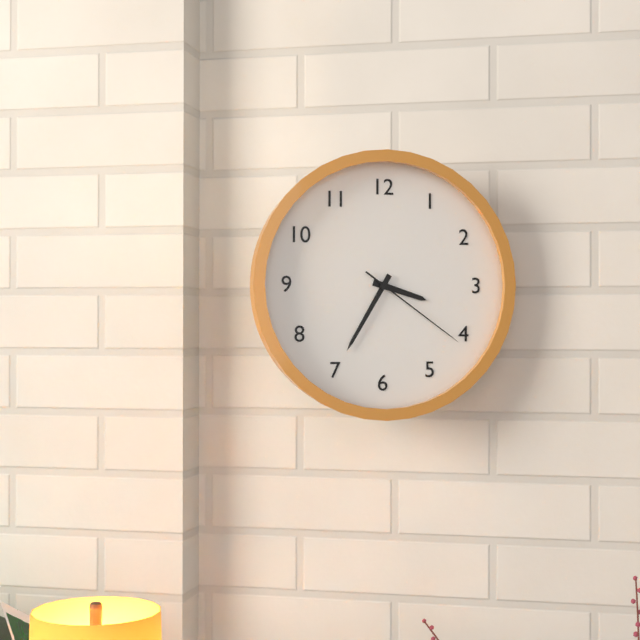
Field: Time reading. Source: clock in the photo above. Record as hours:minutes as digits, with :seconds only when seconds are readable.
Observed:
3:35:21
